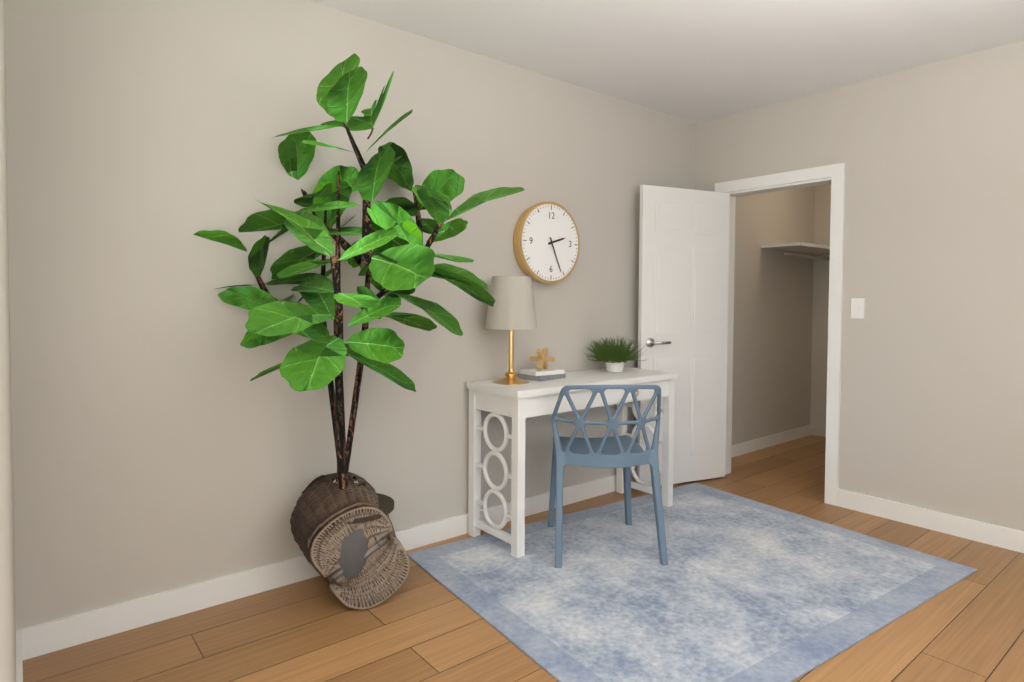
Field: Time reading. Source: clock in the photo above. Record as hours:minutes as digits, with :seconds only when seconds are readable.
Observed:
2:26
